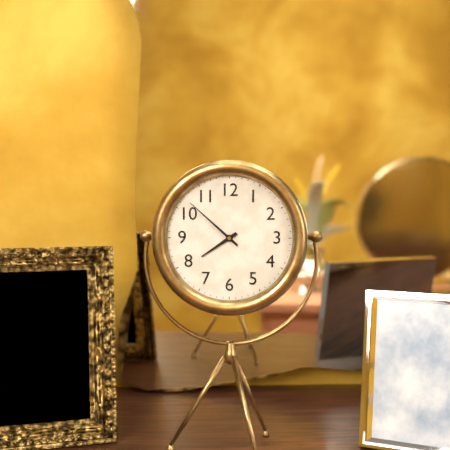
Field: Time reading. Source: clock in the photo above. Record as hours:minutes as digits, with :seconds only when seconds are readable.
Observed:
7:52
